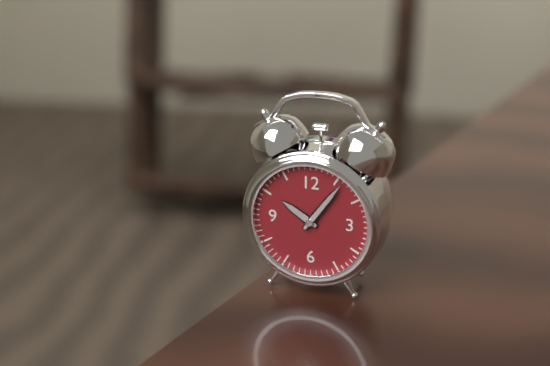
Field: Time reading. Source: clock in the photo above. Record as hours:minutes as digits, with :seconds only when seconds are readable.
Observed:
10:06
